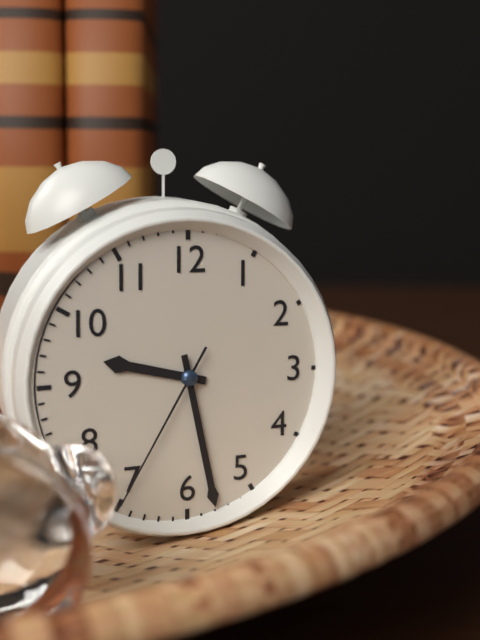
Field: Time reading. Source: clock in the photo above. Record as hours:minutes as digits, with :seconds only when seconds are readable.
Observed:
9:28:35
